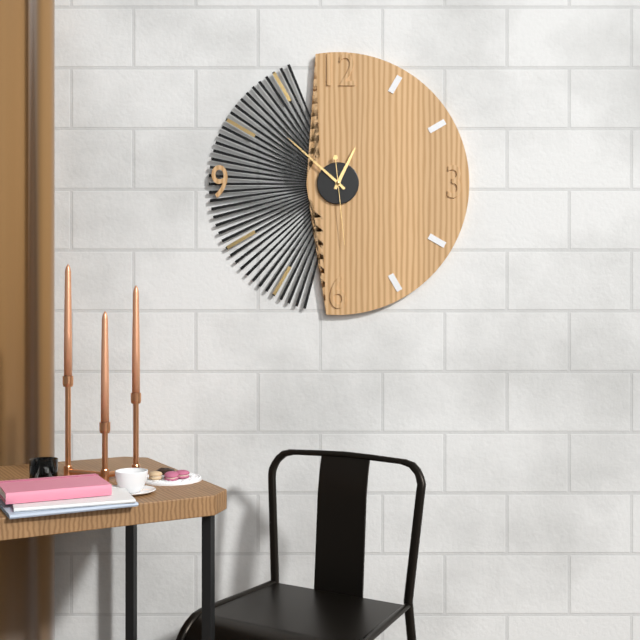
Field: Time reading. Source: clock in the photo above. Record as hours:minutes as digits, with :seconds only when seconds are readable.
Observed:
12:52:29
